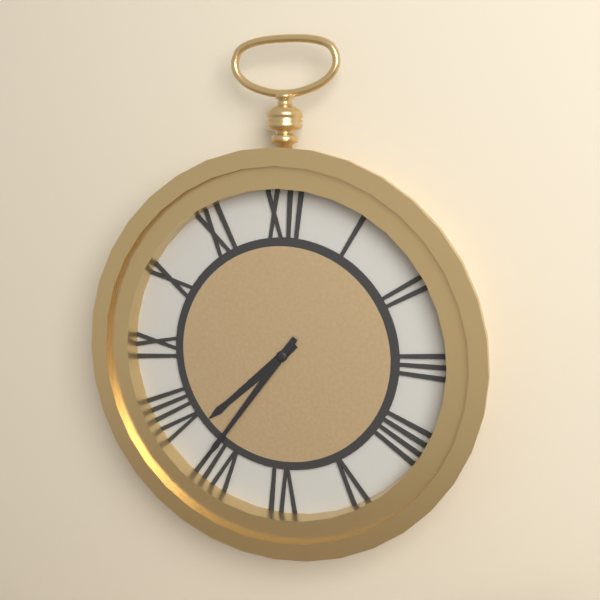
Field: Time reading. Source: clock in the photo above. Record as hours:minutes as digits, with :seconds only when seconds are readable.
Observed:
7:36
